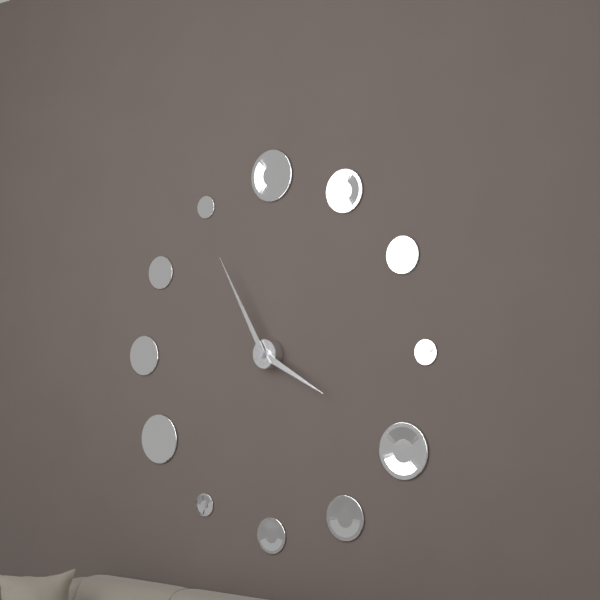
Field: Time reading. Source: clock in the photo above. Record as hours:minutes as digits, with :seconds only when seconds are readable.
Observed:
3:55
